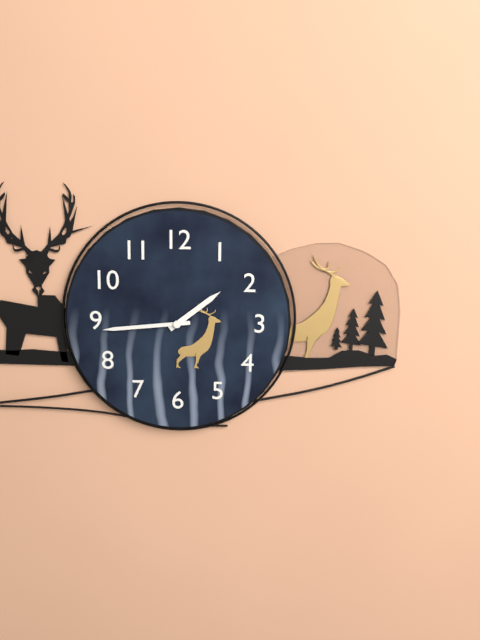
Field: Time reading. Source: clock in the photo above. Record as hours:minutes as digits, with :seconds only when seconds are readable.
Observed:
1:44
